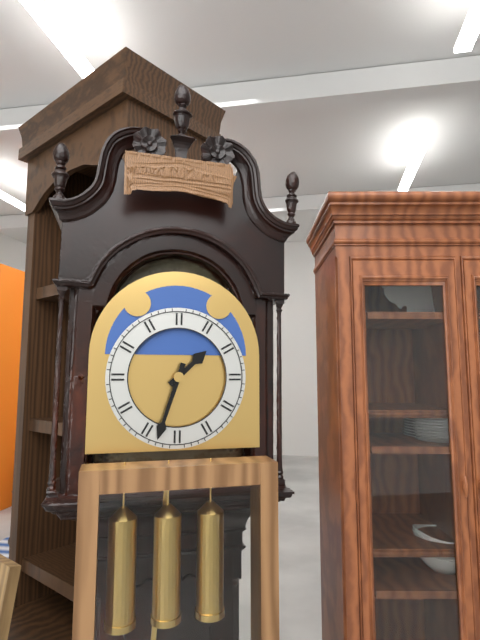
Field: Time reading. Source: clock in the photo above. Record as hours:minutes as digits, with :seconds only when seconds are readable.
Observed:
1:33
